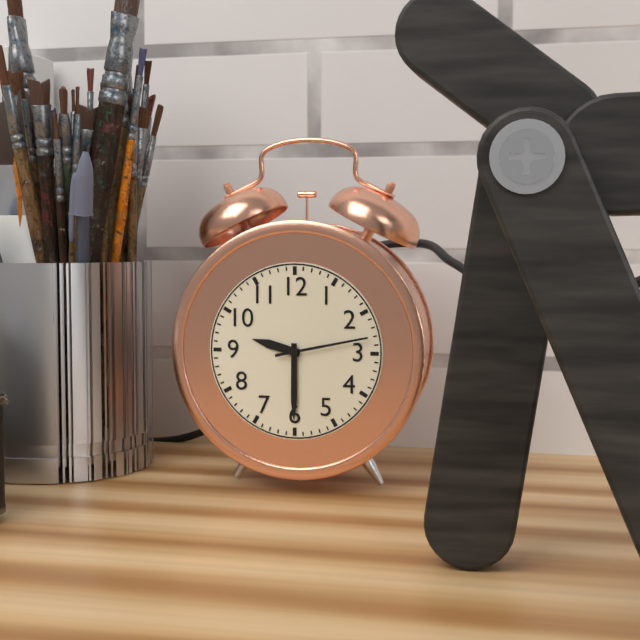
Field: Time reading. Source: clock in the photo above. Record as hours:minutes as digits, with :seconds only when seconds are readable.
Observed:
9:30:13
